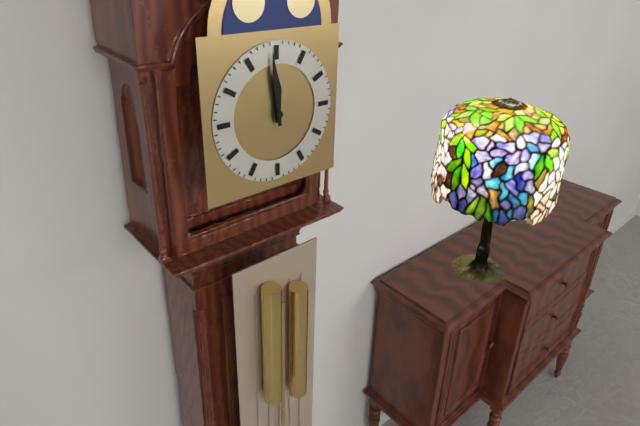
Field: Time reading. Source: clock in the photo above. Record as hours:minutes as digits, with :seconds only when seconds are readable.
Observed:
11:59
